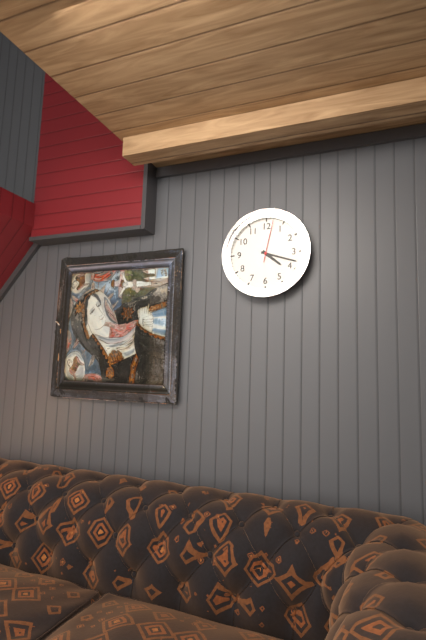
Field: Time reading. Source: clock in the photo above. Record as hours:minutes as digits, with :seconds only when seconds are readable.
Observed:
4:18
